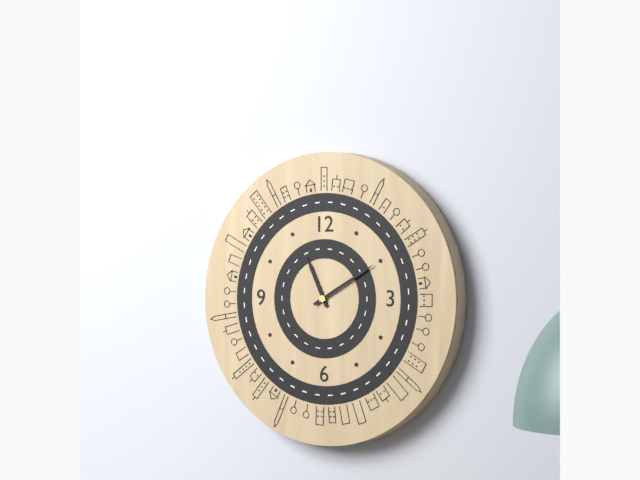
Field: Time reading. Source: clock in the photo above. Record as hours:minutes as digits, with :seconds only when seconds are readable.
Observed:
11:10
